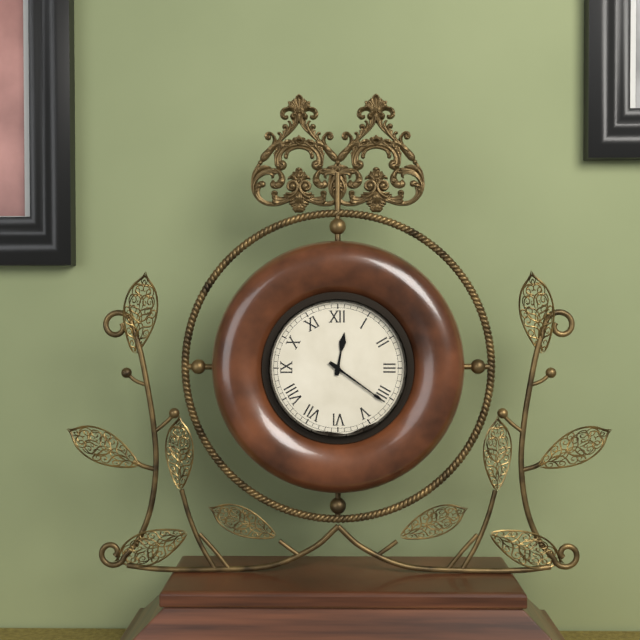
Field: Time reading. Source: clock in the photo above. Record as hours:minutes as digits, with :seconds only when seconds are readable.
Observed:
12:21
